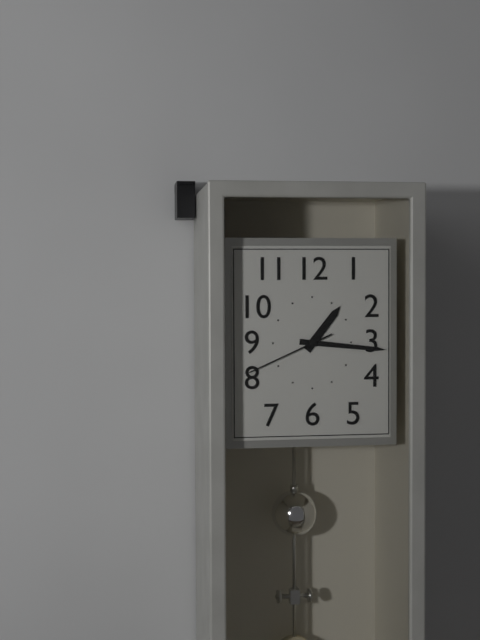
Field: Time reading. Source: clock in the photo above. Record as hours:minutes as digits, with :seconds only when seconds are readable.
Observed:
1:16:41
